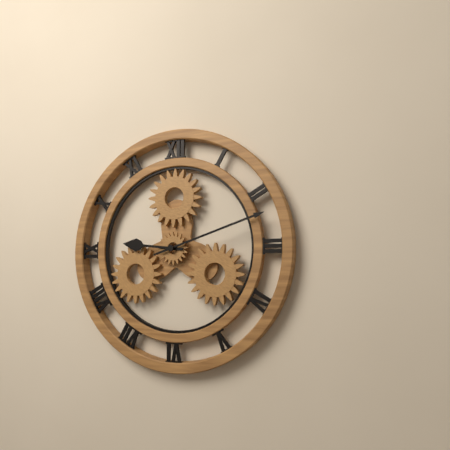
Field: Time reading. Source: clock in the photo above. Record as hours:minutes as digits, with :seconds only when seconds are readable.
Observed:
9:12
